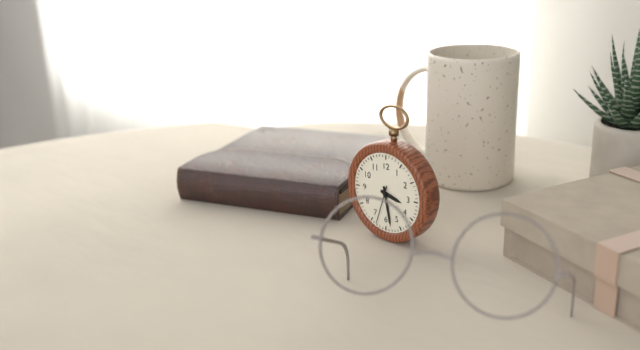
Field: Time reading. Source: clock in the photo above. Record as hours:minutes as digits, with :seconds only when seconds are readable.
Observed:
3:28
